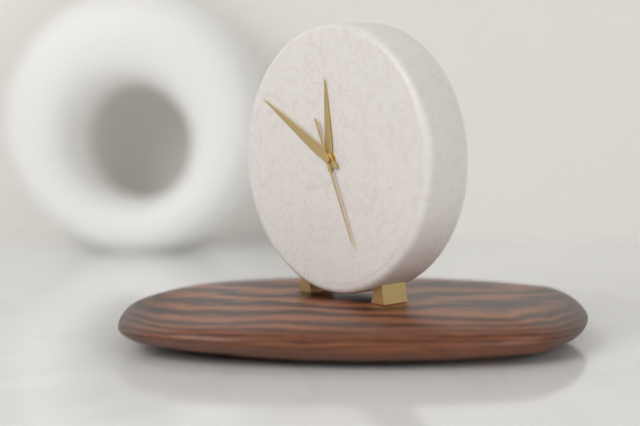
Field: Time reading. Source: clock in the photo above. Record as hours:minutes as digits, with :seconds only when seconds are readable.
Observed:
11:50:26
